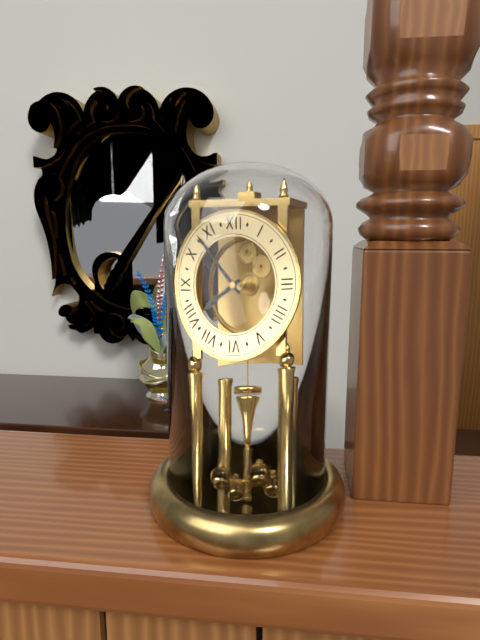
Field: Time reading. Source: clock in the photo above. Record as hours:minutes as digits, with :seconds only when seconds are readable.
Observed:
7:53
